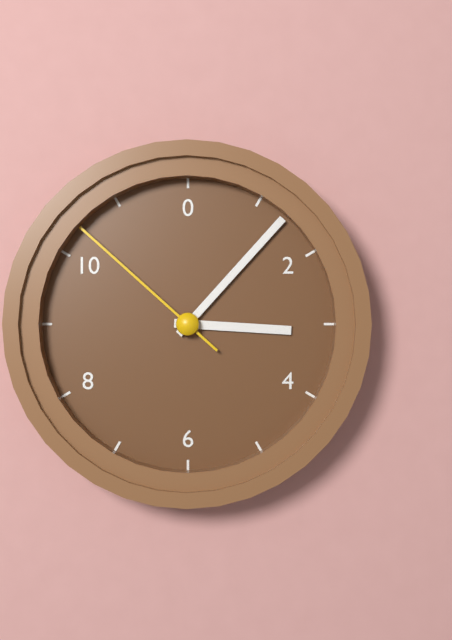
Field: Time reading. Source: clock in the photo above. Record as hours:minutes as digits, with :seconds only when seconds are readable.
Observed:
3:07:52
